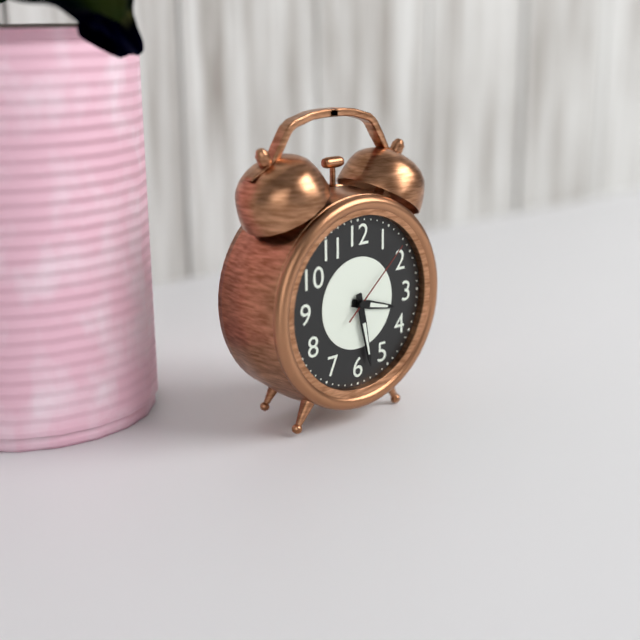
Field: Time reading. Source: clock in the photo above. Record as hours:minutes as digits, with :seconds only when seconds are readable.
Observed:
3:28:08
